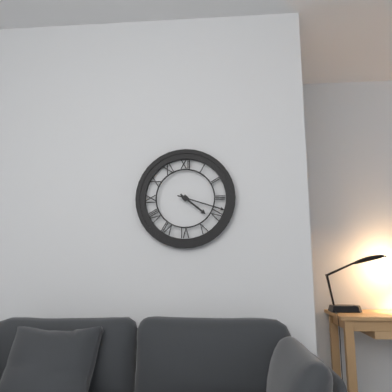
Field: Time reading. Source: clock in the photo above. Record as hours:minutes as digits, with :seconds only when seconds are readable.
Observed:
4:18
